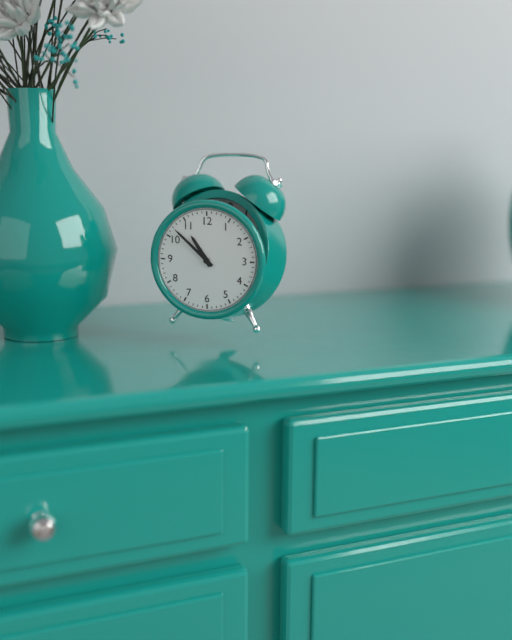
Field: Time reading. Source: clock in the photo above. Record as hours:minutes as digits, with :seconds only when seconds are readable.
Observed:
10:52
